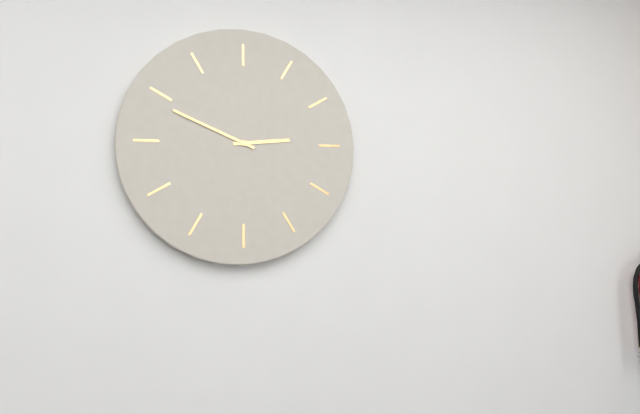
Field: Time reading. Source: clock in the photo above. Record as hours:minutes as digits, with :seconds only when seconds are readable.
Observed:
2:49
